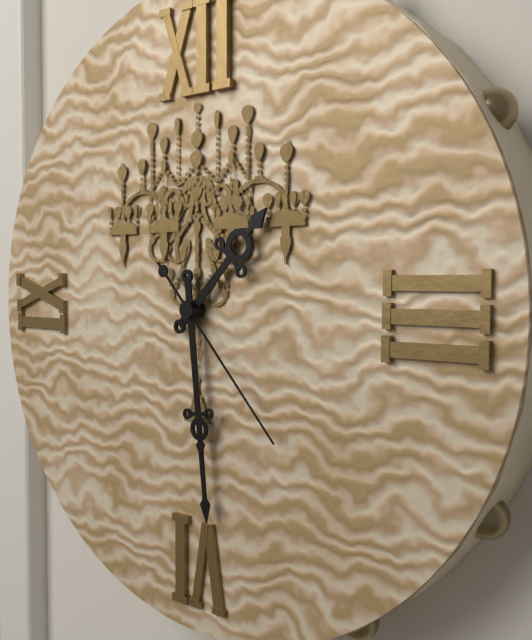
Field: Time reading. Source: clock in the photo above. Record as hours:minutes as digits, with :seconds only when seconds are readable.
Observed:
1:29:23
